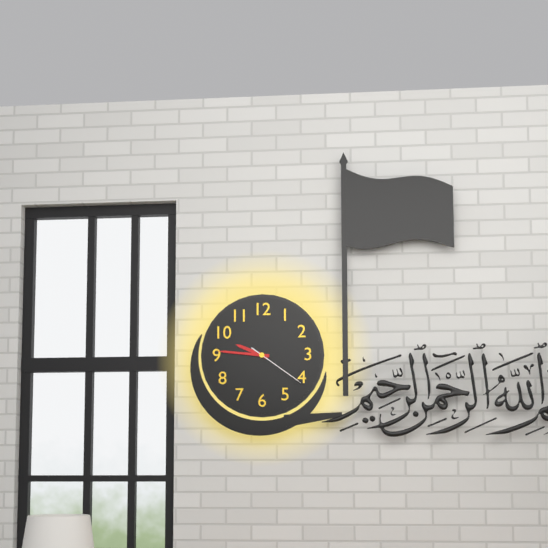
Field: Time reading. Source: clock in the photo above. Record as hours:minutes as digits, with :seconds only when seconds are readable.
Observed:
9:46:21
